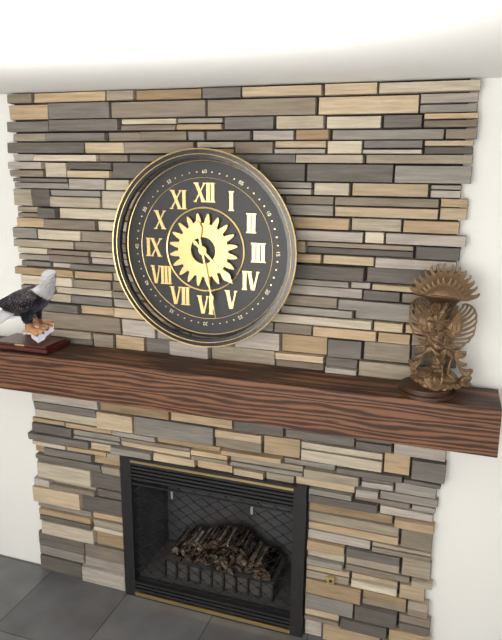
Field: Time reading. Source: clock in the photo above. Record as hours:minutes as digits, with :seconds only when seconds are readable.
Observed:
4:28
